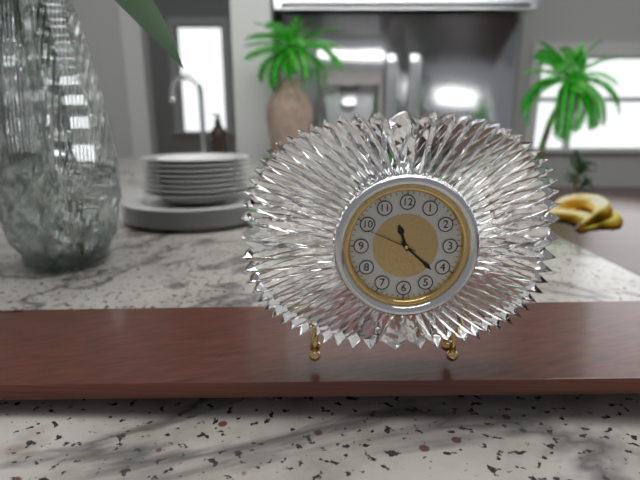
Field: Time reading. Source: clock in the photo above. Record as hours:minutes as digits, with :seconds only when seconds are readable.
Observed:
11:22:49
